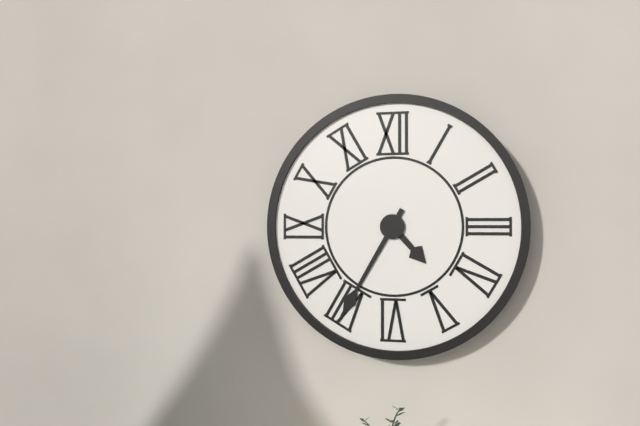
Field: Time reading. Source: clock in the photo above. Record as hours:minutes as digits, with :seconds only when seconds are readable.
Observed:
4:35
